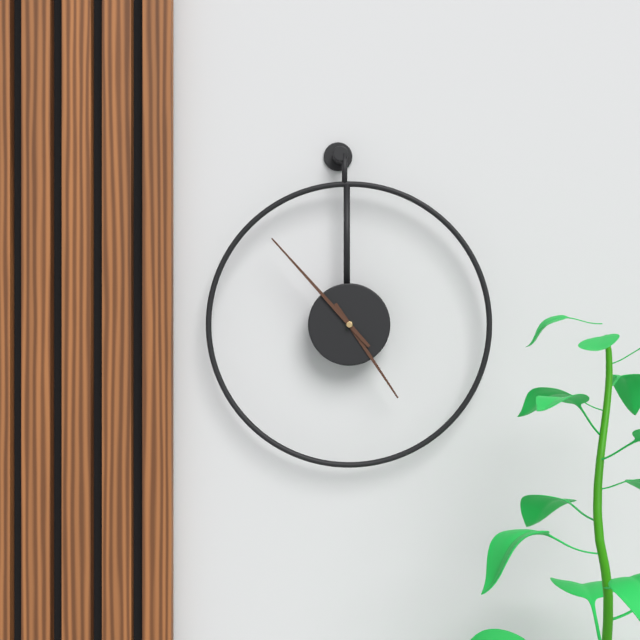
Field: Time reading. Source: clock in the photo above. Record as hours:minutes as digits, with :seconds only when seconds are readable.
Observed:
4:53
